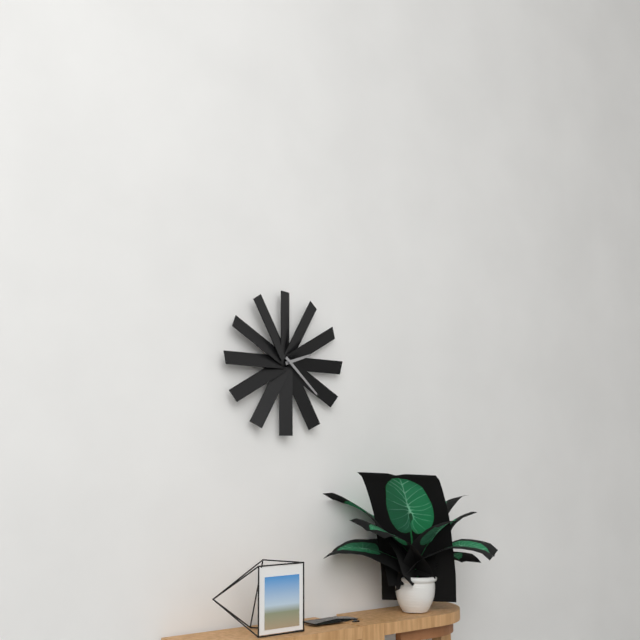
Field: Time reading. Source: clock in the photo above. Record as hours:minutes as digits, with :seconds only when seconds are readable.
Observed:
2:22
